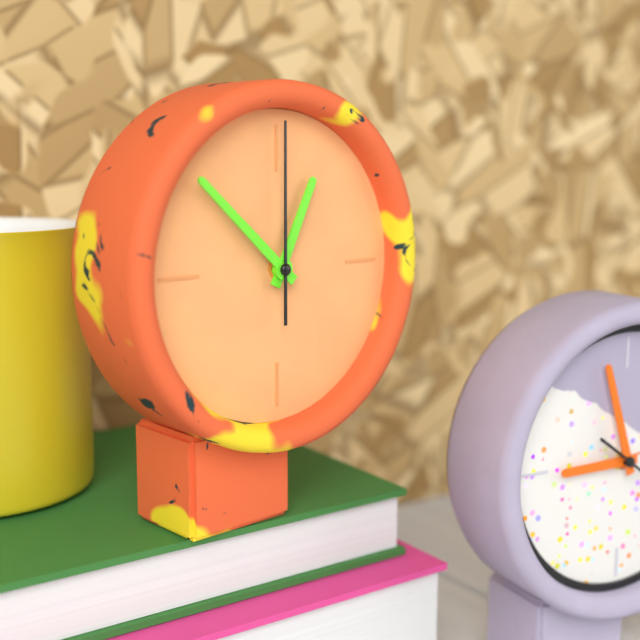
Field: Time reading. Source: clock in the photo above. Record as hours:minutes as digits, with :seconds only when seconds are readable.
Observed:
12:52:00
